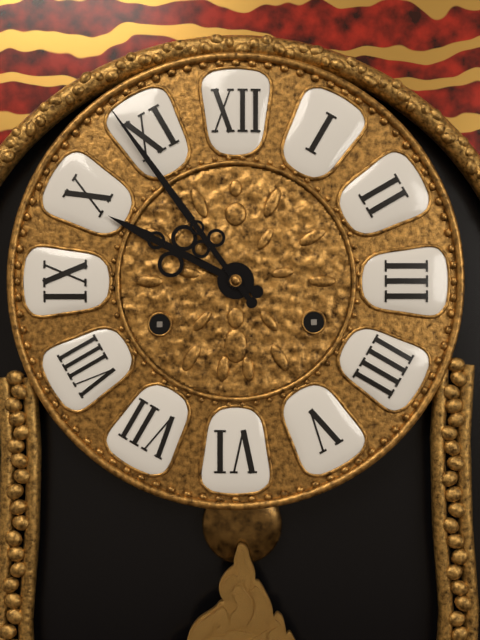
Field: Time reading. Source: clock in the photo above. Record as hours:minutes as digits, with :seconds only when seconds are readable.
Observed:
9:54
